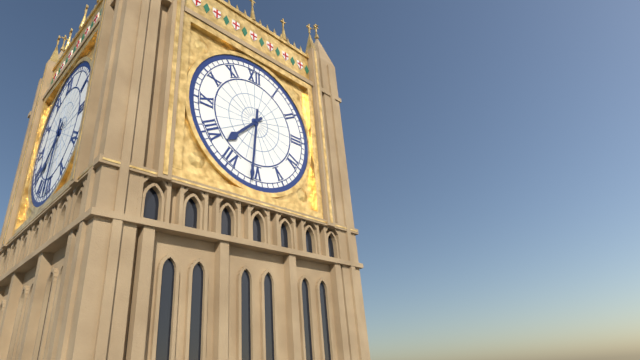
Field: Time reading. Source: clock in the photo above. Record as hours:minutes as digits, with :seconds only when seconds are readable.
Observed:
7:31
